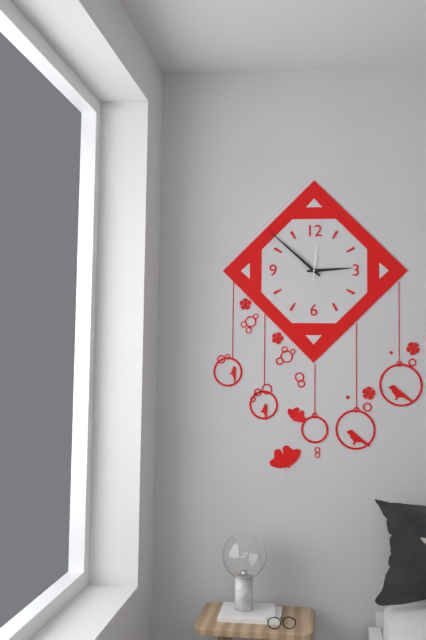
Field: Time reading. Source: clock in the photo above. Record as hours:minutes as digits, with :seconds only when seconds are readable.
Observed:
2:52
